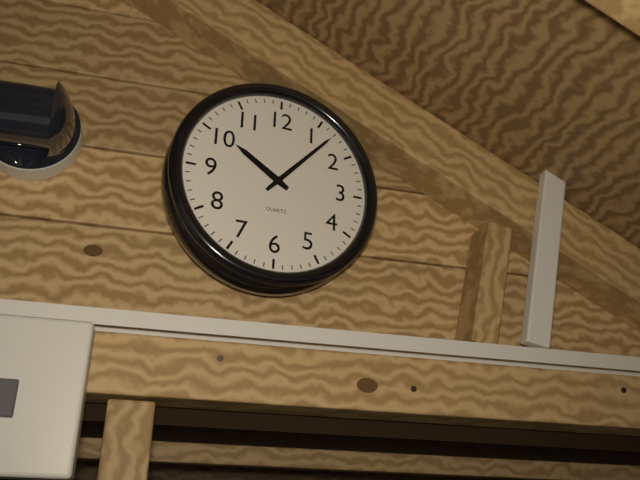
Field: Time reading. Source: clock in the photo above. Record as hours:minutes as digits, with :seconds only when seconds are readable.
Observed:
10:07
